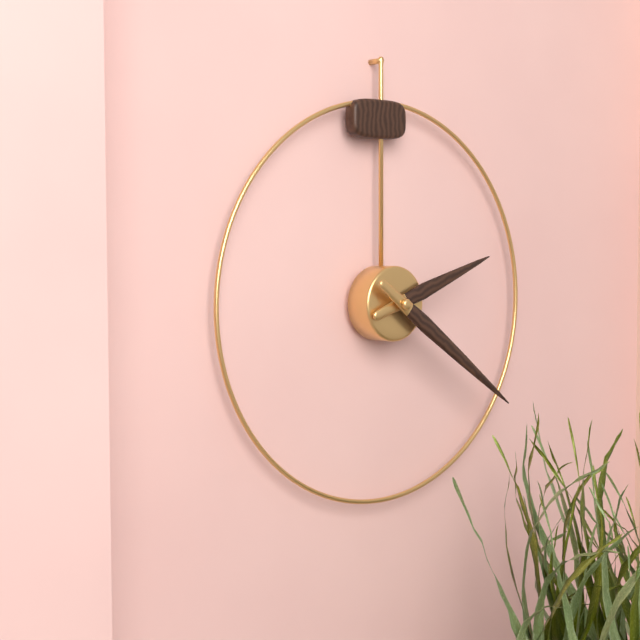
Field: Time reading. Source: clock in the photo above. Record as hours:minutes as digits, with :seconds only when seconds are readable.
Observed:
2:21
